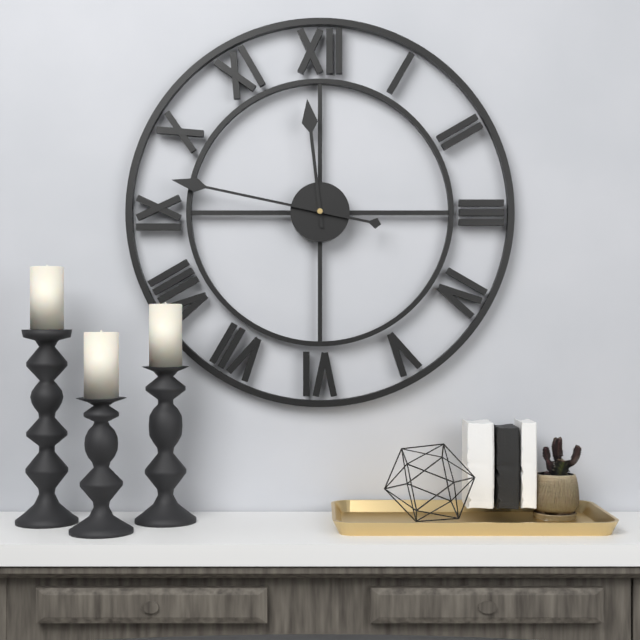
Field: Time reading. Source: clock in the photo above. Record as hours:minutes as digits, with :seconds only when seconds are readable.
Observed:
11:47
